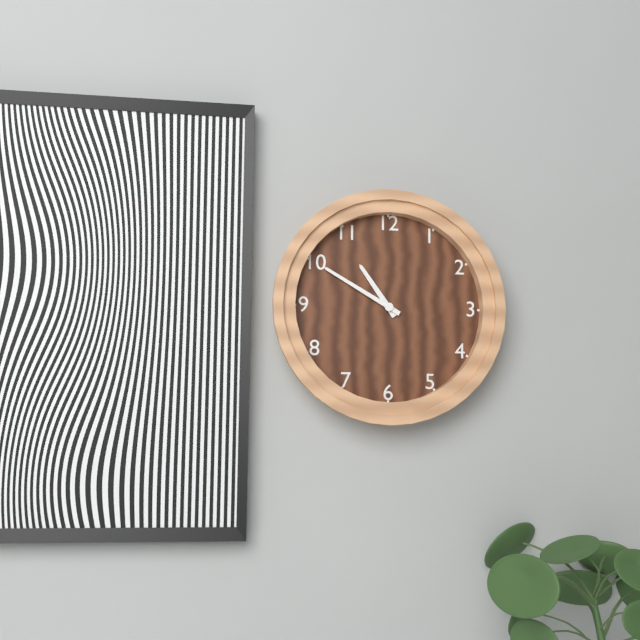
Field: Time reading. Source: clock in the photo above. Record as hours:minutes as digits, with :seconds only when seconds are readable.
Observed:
10:50
